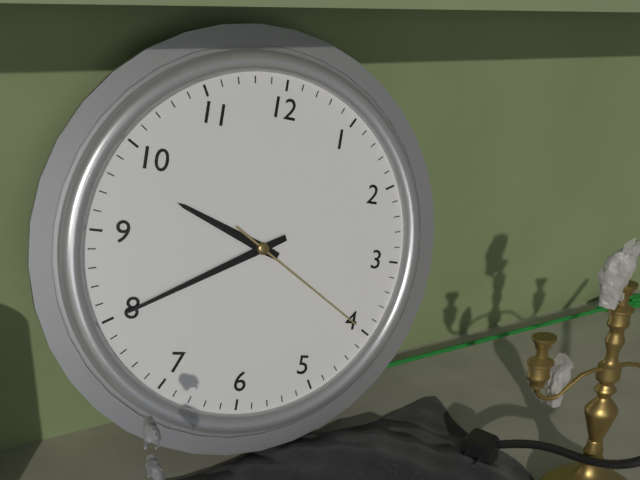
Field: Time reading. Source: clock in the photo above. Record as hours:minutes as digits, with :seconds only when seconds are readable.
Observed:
9:40:20
